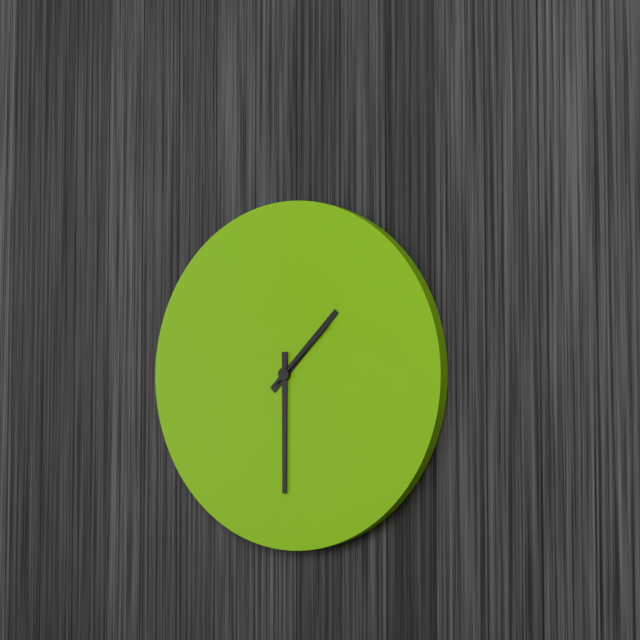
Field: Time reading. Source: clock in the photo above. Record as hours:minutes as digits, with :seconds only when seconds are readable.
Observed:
1:30:08
